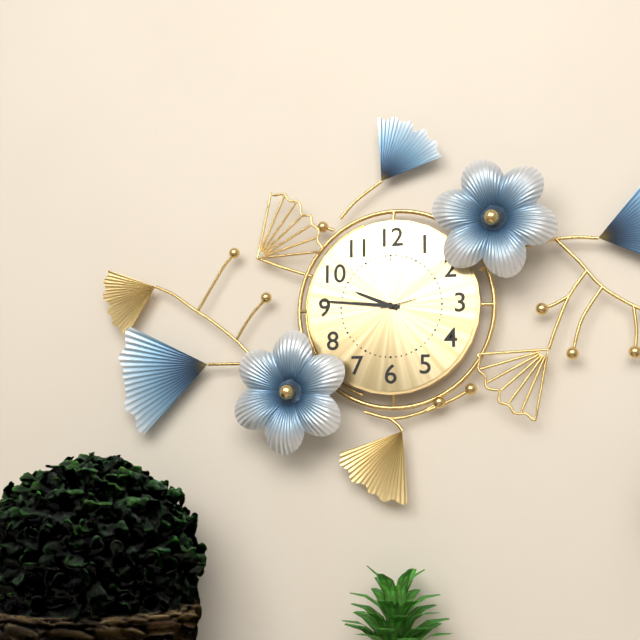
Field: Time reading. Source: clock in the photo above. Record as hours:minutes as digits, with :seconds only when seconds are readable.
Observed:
9:46
